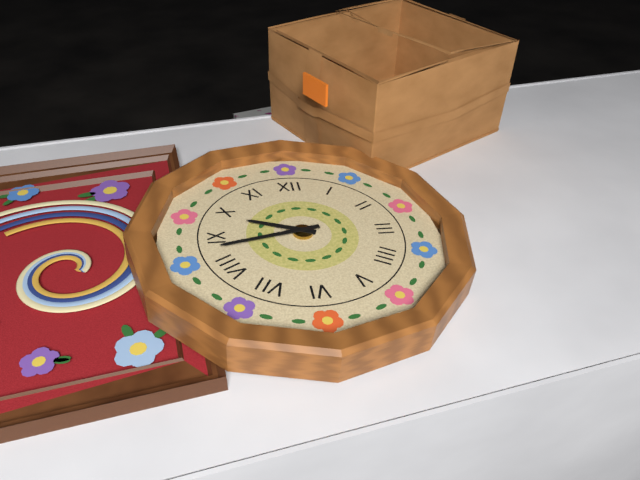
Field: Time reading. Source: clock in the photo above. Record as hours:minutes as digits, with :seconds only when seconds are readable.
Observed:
9:43
